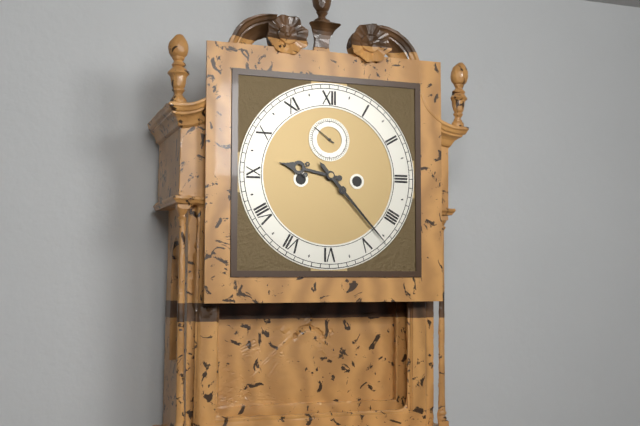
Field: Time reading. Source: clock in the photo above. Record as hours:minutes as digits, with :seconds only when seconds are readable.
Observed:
9:23
